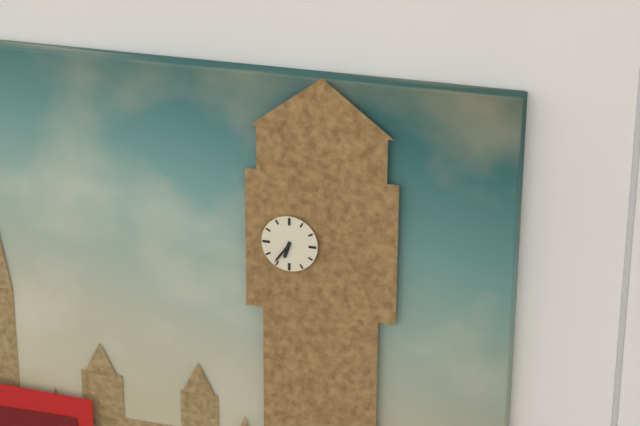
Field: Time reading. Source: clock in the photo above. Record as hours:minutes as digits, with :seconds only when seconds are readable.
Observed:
6:36
